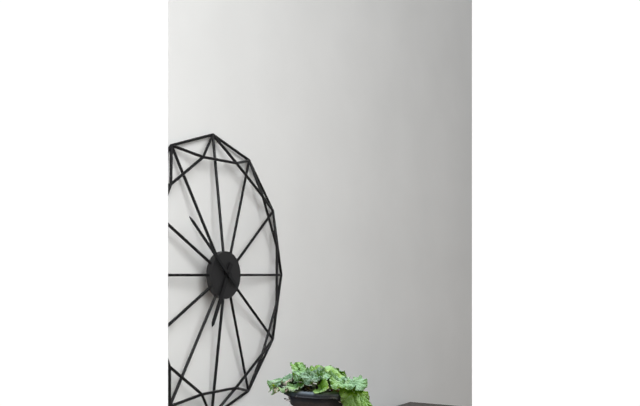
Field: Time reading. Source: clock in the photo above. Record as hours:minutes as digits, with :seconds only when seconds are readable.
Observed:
6:52
